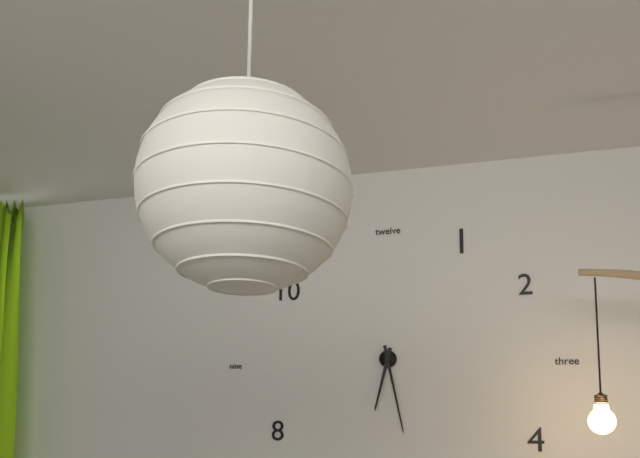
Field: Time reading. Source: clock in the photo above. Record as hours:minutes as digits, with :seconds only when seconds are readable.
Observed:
6:28
